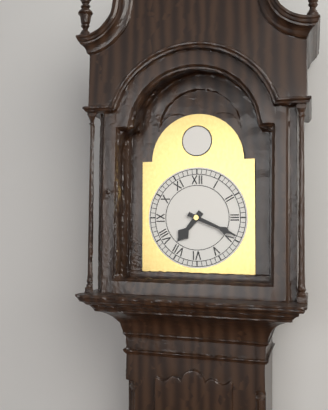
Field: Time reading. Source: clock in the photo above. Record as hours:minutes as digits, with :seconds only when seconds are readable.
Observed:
7:19
